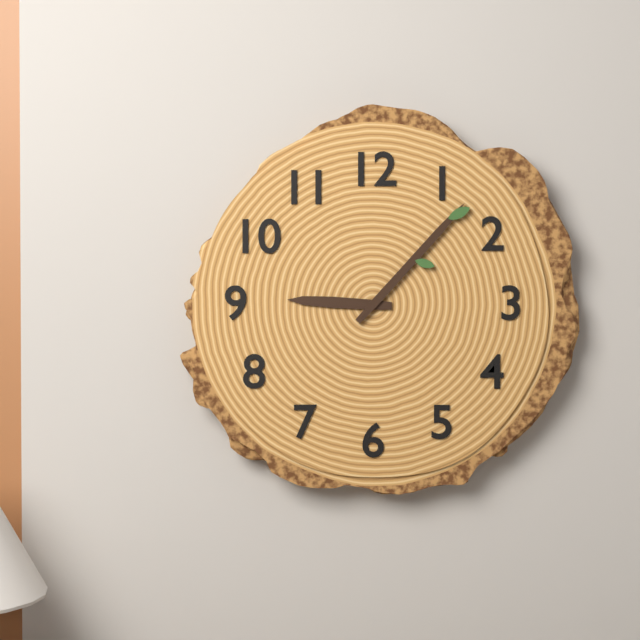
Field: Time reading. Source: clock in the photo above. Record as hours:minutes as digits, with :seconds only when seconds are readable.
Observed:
9:07
